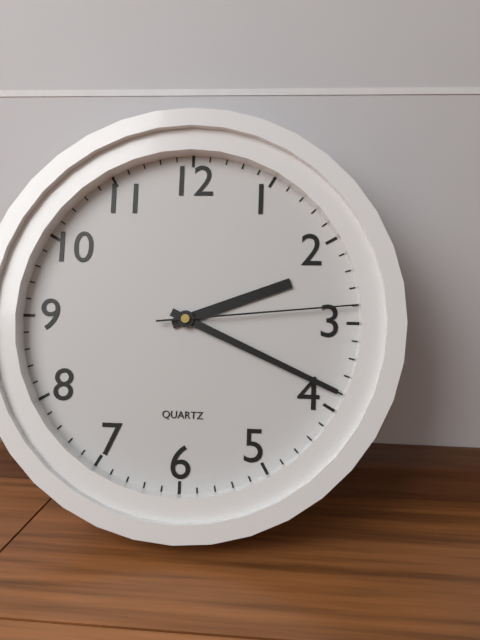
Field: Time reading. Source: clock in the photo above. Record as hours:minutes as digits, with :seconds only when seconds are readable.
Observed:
2:19:14
